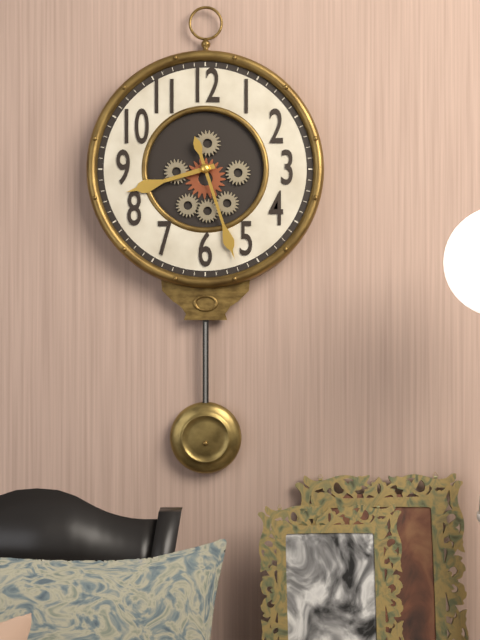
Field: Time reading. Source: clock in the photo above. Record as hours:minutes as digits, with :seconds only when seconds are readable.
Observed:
8:27
